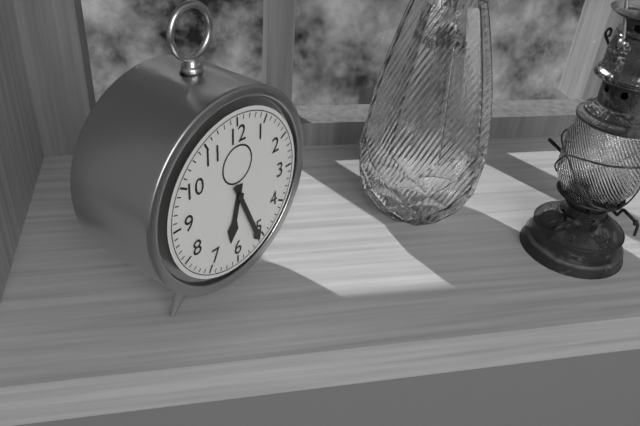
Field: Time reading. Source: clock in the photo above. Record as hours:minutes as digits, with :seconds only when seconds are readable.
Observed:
6:26
